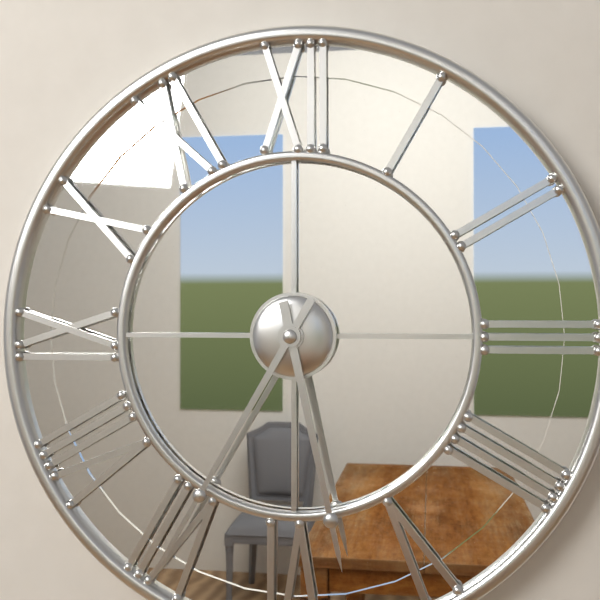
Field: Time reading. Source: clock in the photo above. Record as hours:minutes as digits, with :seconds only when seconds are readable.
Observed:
5:35
